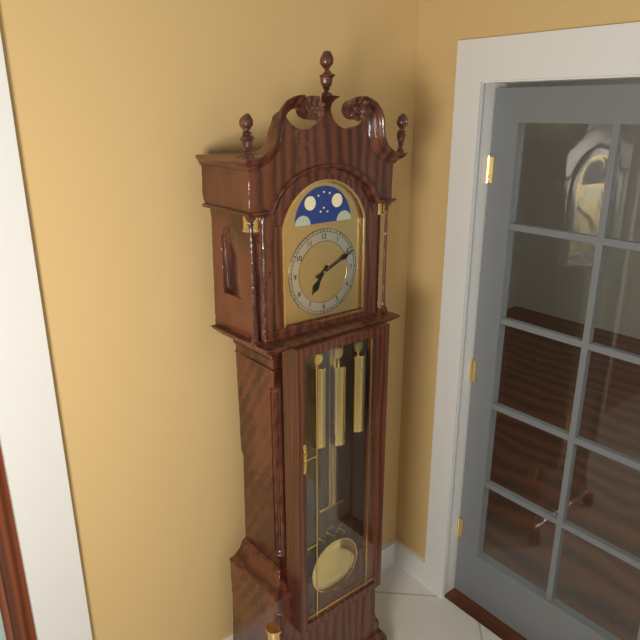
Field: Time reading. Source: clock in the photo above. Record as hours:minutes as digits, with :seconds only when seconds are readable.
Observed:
7:11
